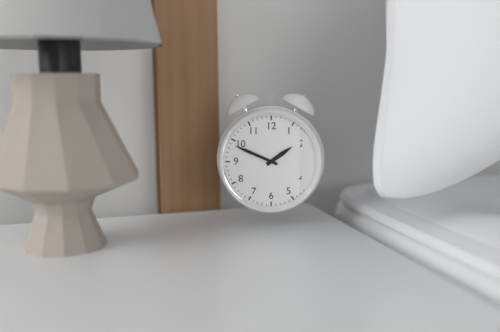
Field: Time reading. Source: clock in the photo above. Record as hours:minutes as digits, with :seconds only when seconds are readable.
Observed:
1:49
